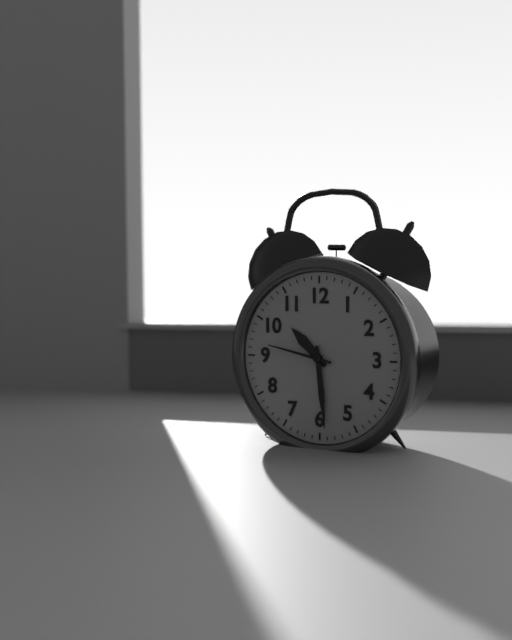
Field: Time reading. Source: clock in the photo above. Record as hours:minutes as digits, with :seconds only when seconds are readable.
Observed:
10:29:47
